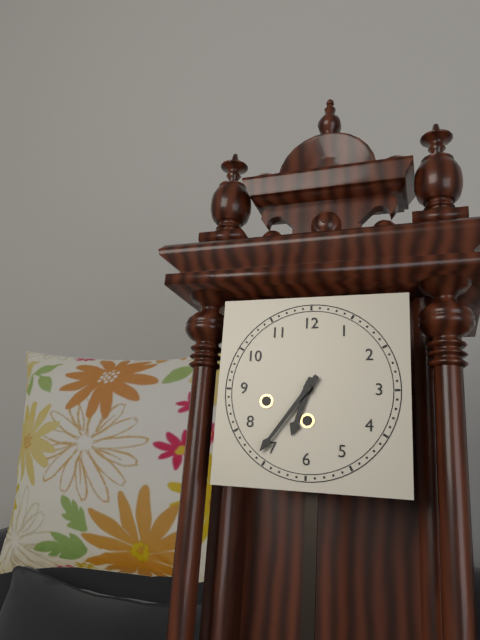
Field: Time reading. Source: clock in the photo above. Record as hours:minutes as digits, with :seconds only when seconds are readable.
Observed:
6:36
